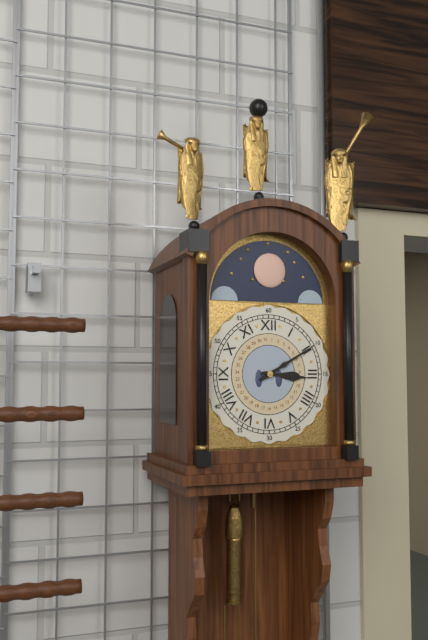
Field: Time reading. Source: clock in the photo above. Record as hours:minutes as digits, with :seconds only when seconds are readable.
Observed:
3:10
